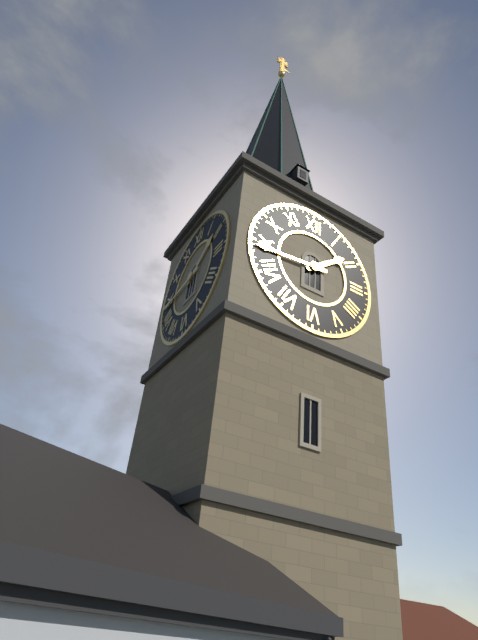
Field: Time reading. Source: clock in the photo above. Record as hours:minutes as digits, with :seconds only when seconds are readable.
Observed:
1:44
